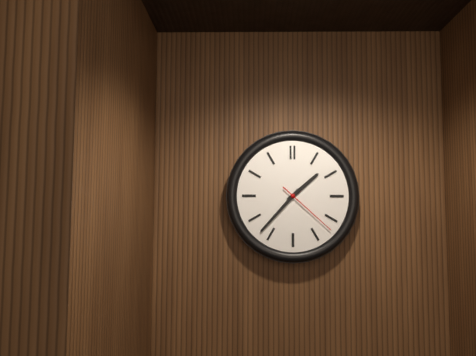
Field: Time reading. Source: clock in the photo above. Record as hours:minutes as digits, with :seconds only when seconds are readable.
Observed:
1:37:22
